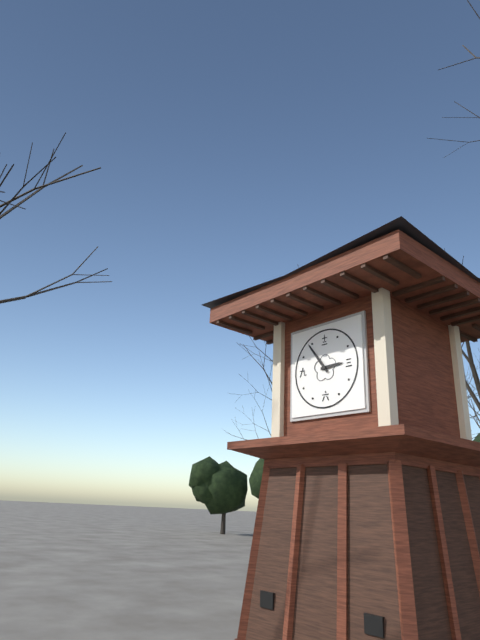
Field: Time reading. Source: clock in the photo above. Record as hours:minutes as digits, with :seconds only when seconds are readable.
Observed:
2:54
